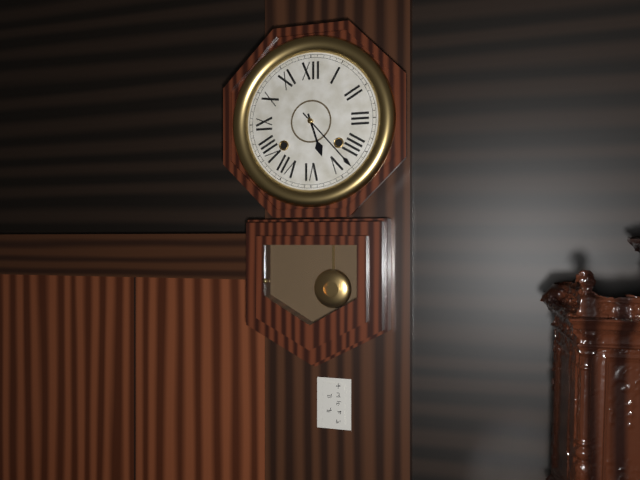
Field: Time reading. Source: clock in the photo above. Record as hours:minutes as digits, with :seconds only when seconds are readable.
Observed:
5:23
